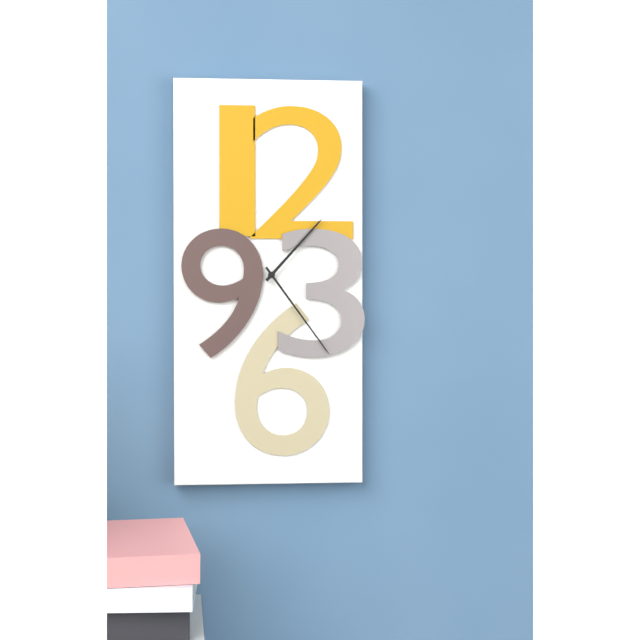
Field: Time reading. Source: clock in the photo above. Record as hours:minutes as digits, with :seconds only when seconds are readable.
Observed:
1:24
